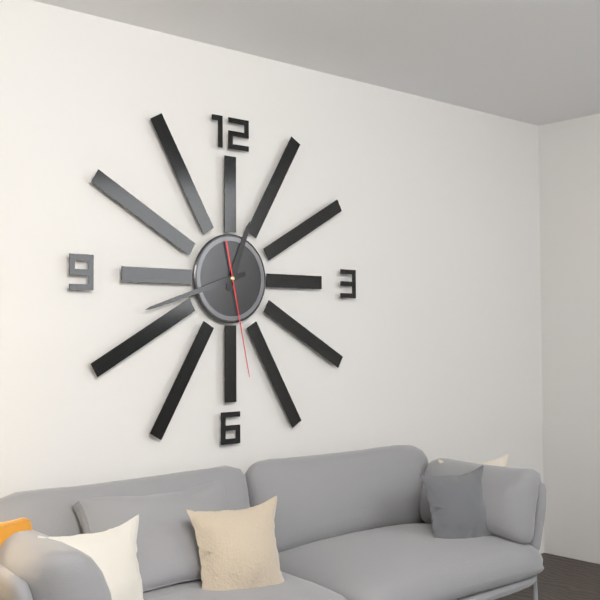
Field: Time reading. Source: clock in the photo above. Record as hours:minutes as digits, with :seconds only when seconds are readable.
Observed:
12:42:28
